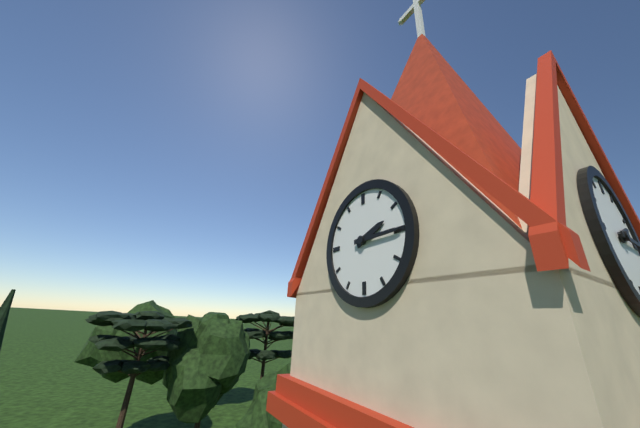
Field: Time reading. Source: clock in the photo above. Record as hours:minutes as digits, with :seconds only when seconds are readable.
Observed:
2:15
